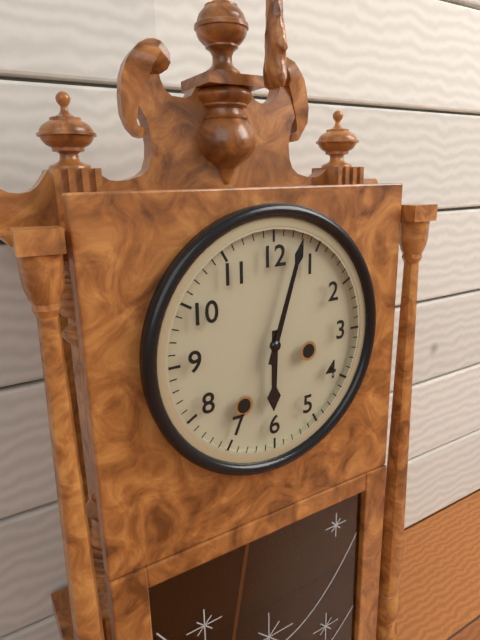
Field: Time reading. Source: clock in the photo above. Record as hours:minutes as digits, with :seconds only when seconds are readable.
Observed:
6:03
